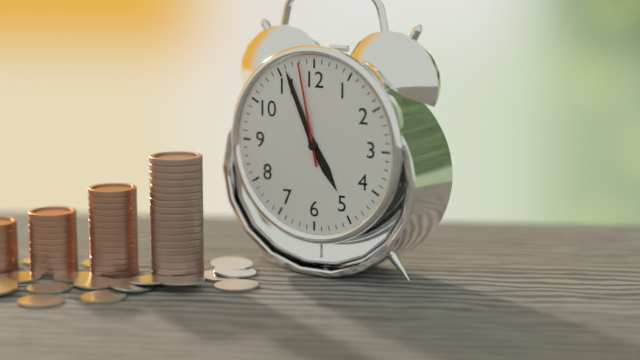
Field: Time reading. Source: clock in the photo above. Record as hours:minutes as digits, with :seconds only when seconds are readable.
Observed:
4:56:58
